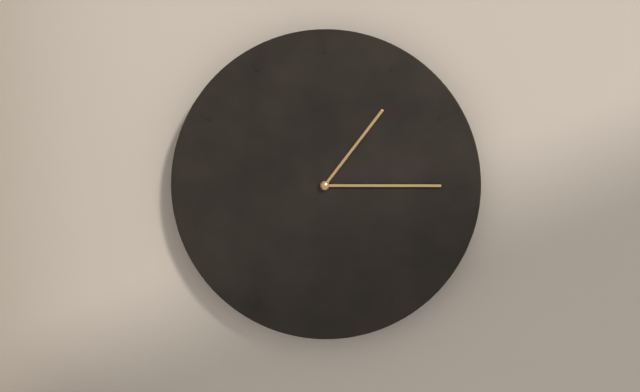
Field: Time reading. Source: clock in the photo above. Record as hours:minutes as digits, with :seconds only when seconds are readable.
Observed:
1:15
